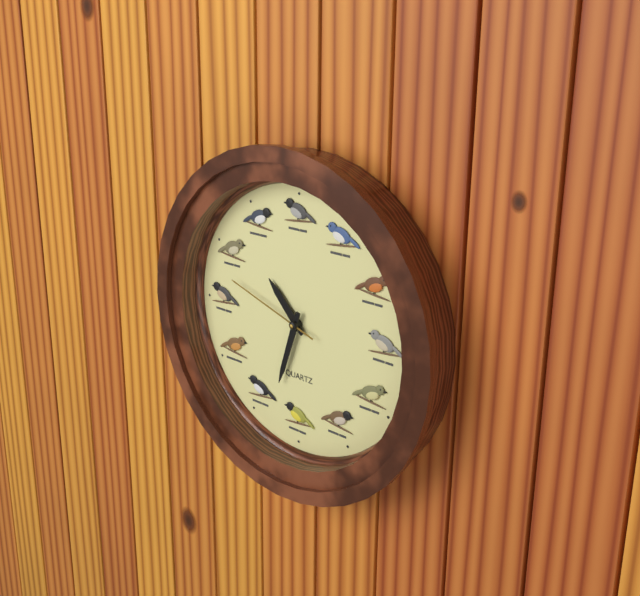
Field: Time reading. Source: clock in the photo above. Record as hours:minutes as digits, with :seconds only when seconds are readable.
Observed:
10:33:48
